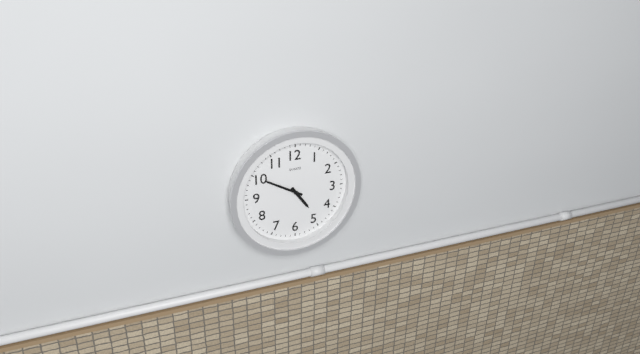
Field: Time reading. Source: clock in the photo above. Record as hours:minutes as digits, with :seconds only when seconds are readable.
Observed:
4:50
